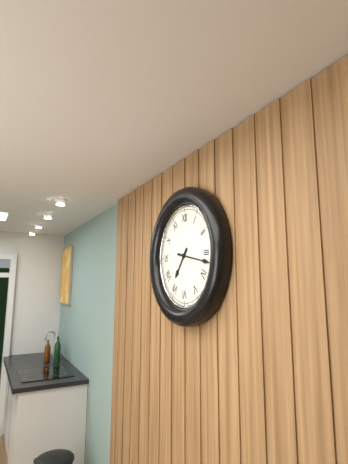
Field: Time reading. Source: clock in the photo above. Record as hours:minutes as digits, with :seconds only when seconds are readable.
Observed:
7:17
